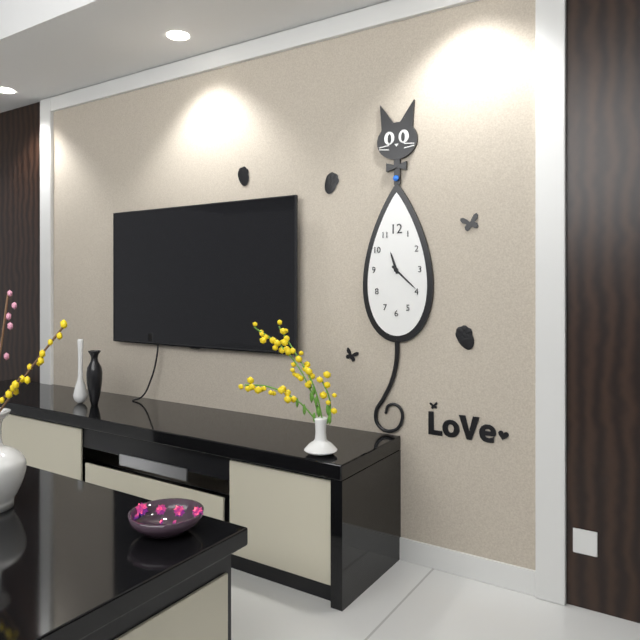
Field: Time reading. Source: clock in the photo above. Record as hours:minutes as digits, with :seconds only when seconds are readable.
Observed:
11:22
